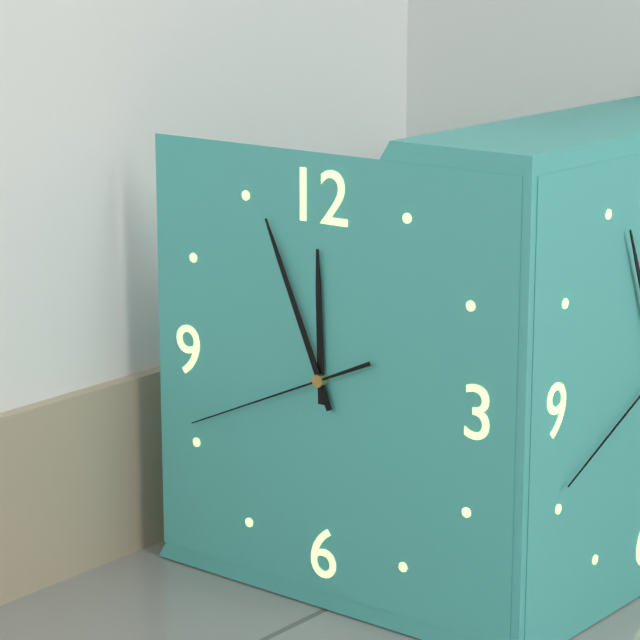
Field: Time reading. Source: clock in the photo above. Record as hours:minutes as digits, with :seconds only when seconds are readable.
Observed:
11:56:41
